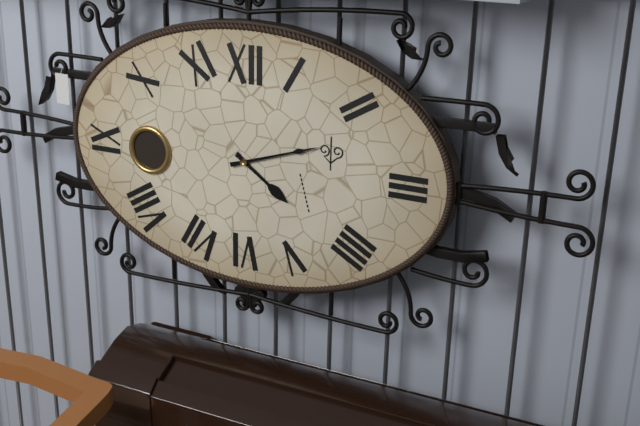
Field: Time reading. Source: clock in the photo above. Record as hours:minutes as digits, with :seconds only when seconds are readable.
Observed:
4:12
